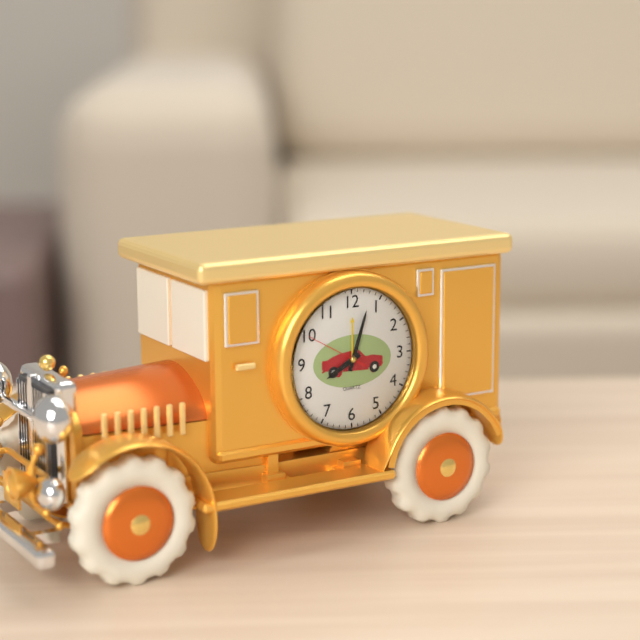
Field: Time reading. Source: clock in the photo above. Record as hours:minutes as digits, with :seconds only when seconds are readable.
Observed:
8:03:50
